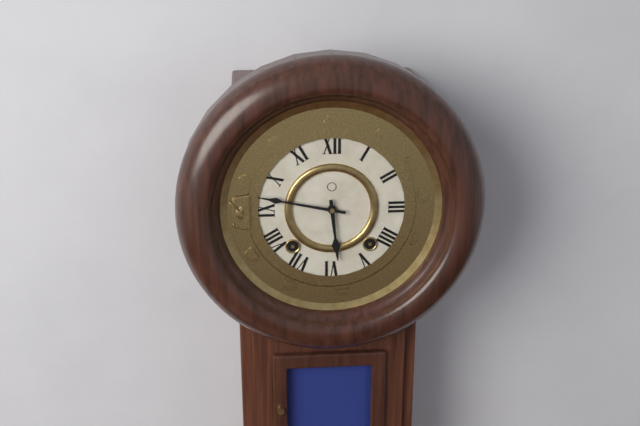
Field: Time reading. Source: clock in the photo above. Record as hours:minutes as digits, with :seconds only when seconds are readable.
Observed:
5:47
